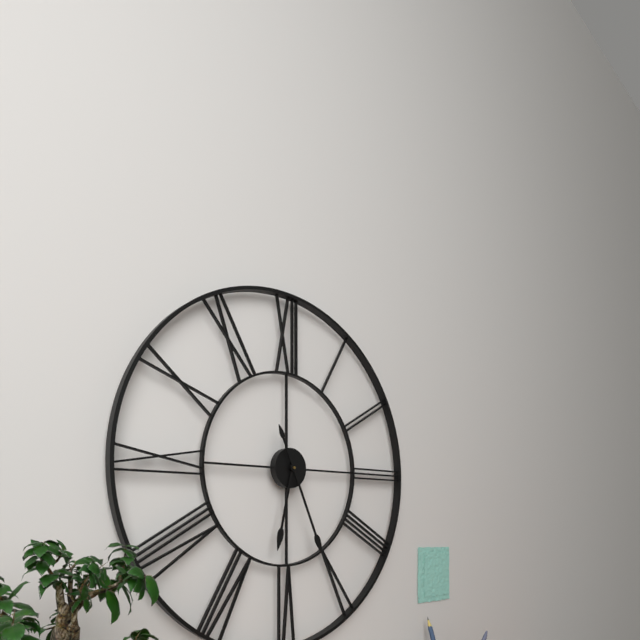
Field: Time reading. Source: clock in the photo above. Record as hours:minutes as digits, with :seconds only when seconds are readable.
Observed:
6:26
